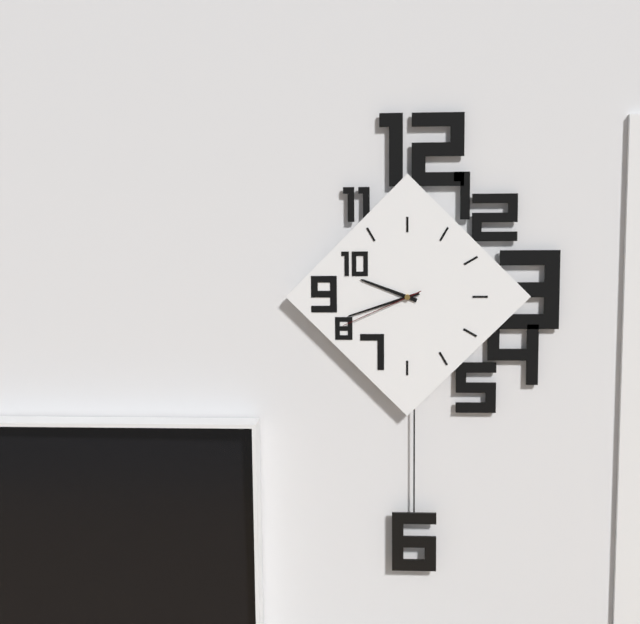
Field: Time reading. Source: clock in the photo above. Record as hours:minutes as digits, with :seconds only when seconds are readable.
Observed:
9:42:41
